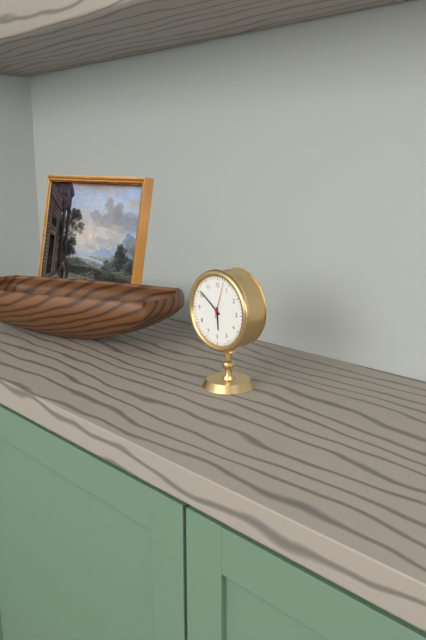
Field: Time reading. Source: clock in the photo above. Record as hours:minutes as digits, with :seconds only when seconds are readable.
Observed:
5:51
